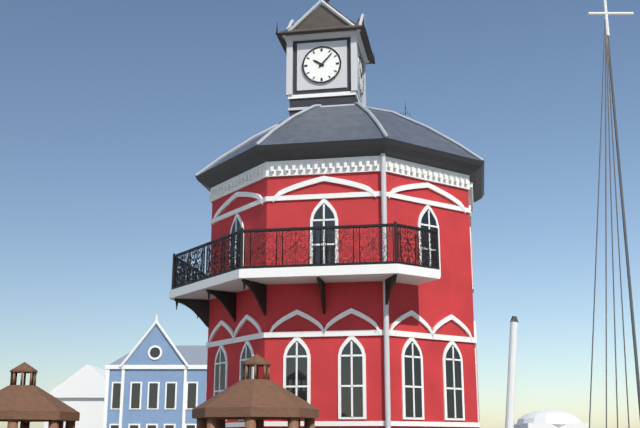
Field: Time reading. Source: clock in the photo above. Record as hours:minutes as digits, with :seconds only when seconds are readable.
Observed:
10:07
